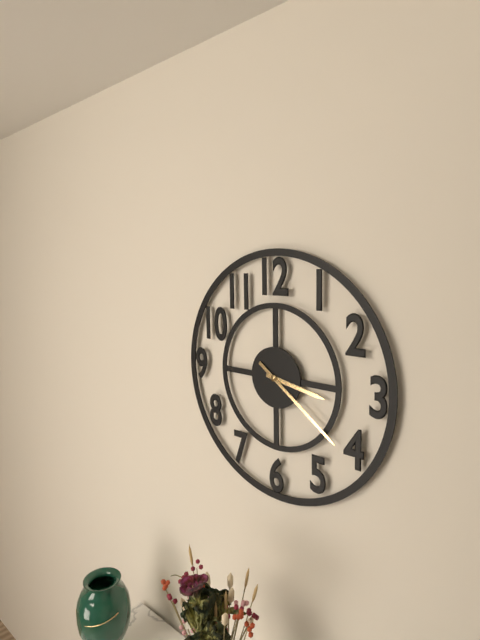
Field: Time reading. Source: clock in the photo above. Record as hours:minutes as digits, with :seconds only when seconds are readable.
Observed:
3:21
